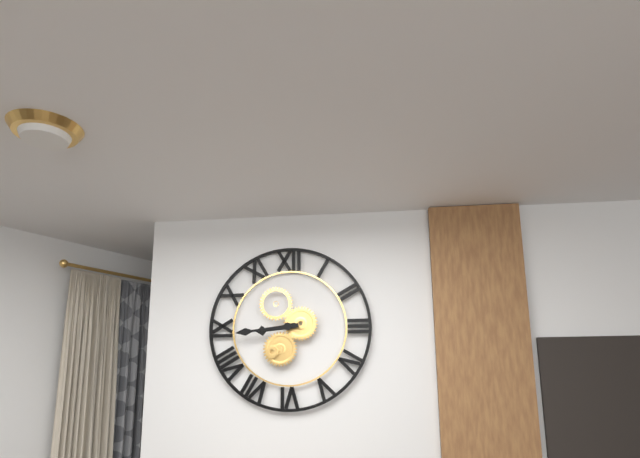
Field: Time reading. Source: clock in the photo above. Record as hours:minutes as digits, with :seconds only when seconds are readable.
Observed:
8:44
